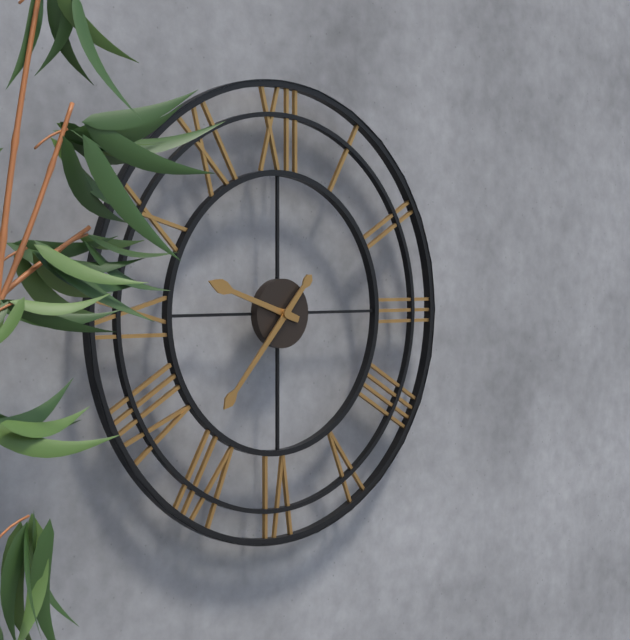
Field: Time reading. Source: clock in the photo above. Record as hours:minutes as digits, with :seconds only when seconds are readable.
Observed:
9:37
